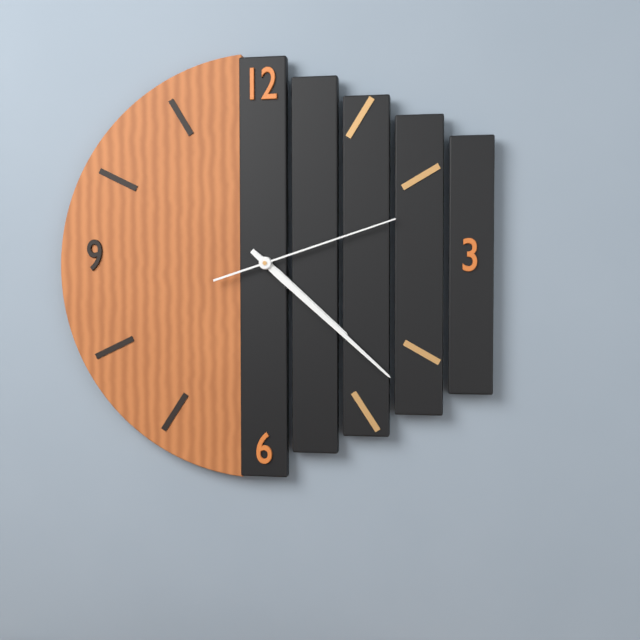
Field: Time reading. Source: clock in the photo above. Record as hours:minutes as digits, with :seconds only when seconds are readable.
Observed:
4:22:12
